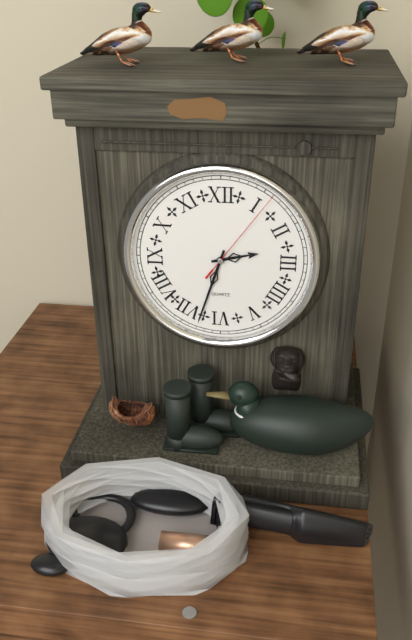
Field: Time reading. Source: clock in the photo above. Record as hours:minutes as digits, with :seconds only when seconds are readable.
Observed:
2:33:06
